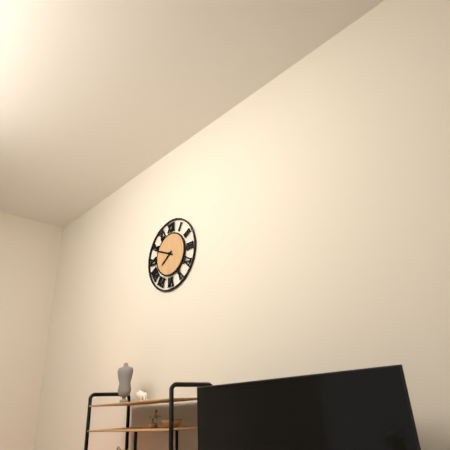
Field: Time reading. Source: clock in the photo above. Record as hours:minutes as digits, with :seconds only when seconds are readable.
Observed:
7:49
